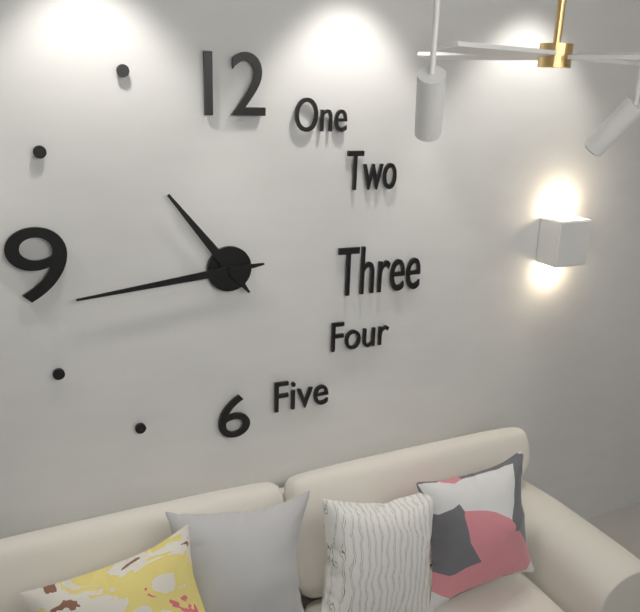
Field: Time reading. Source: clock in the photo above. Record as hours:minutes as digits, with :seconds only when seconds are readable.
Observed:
10:44
